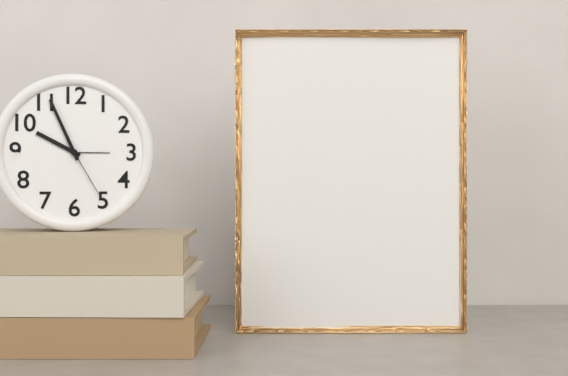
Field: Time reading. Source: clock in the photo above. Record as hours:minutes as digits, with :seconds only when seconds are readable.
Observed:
9:56:25
